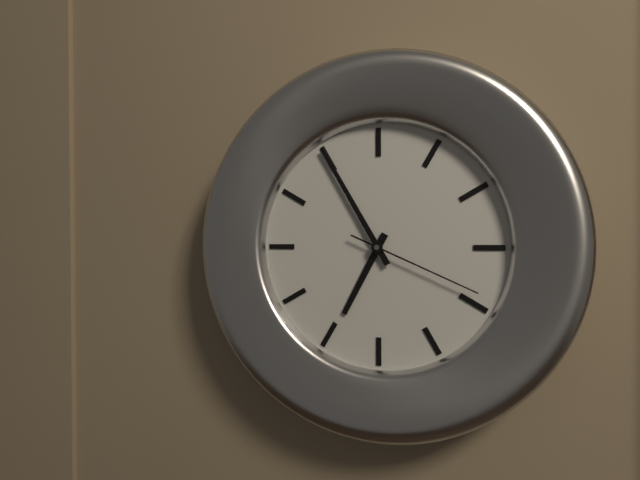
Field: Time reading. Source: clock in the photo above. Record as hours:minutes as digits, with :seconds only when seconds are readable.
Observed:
6:55:19
